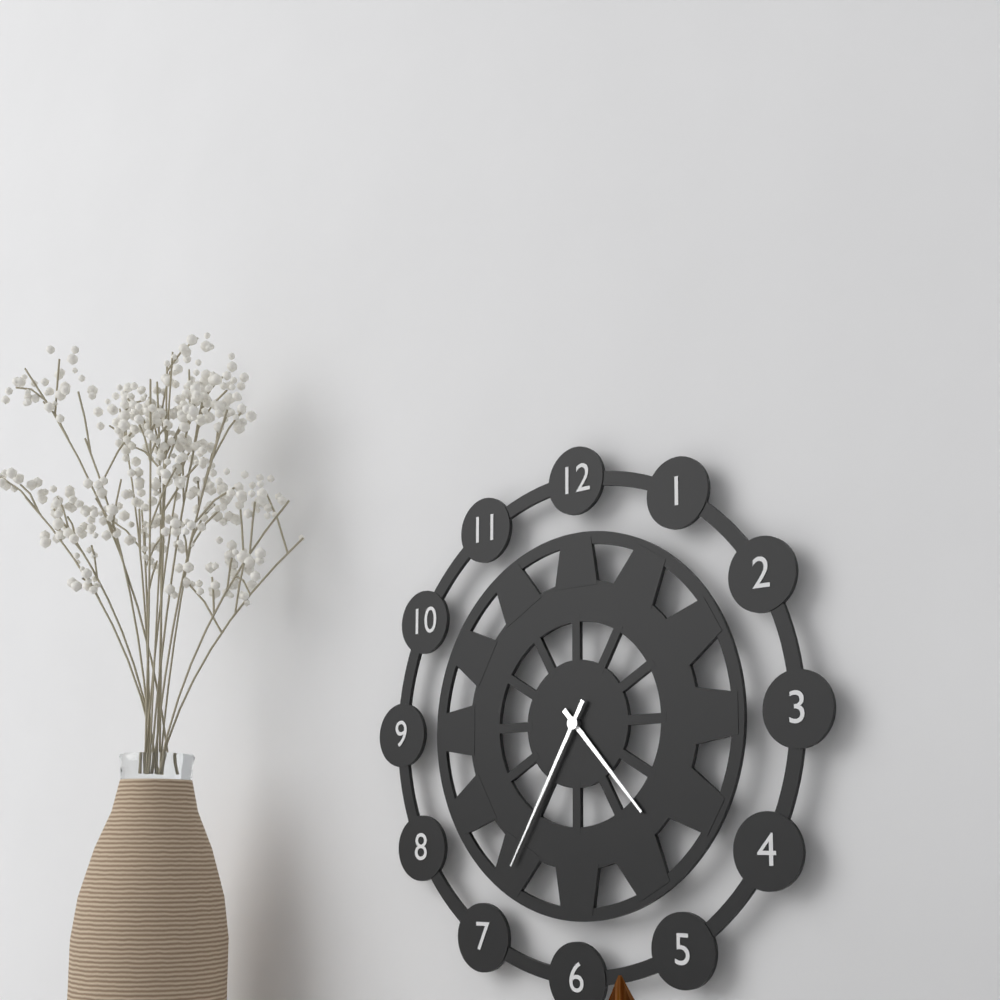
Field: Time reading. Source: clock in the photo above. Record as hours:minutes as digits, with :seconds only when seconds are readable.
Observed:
4:35
